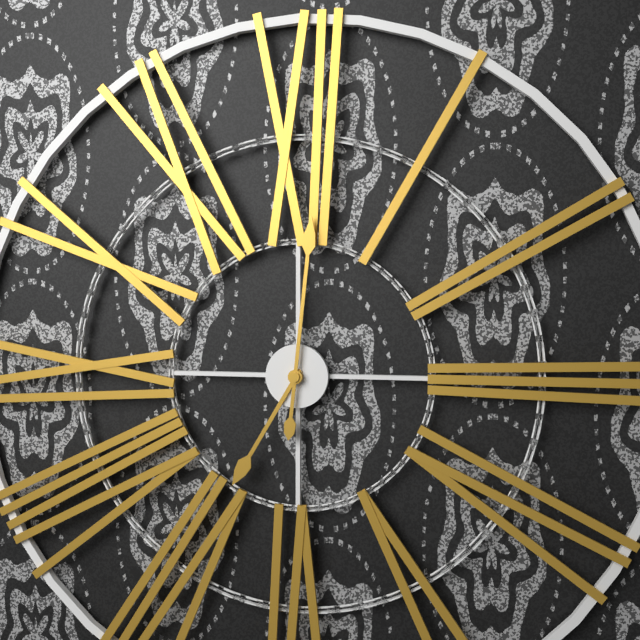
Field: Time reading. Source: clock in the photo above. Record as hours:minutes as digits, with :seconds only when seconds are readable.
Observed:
7:01
